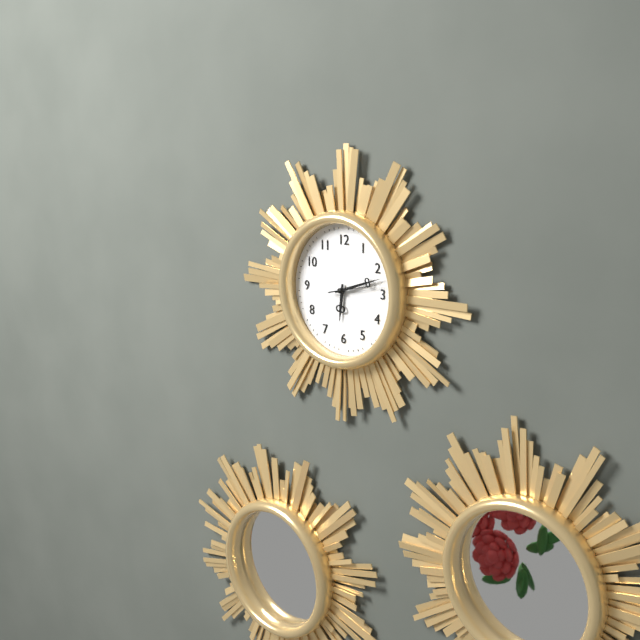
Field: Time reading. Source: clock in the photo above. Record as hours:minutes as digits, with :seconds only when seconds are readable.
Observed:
6:12:13
